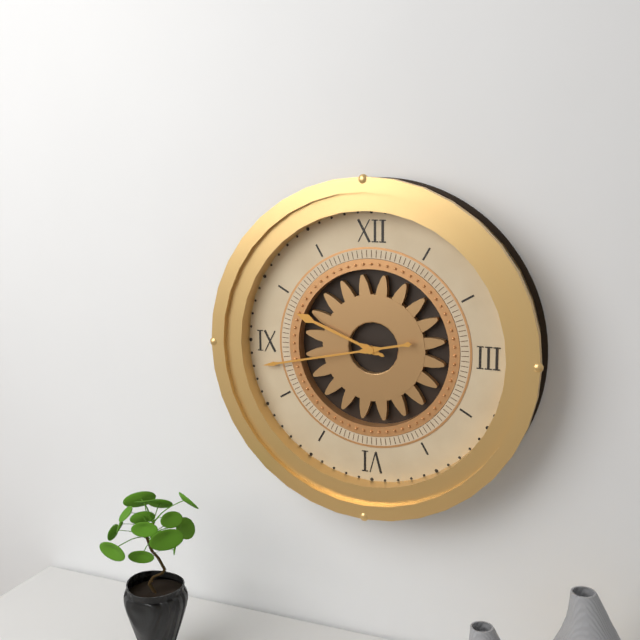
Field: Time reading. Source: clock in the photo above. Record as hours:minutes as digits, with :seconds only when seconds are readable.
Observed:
9:43
